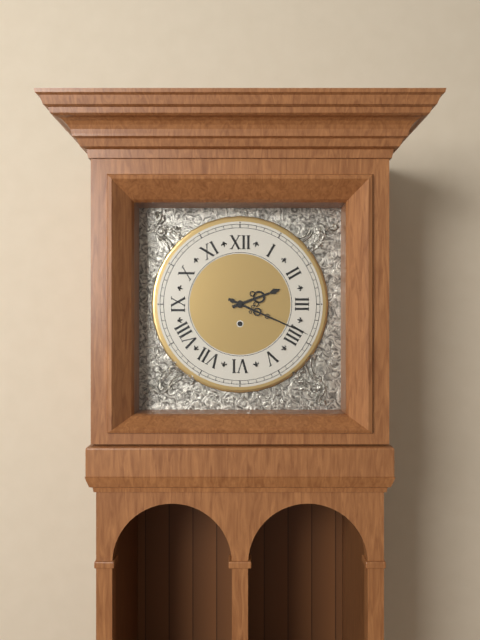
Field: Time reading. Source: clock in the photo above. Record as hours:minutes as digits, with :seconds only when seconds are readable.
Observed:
2:19
